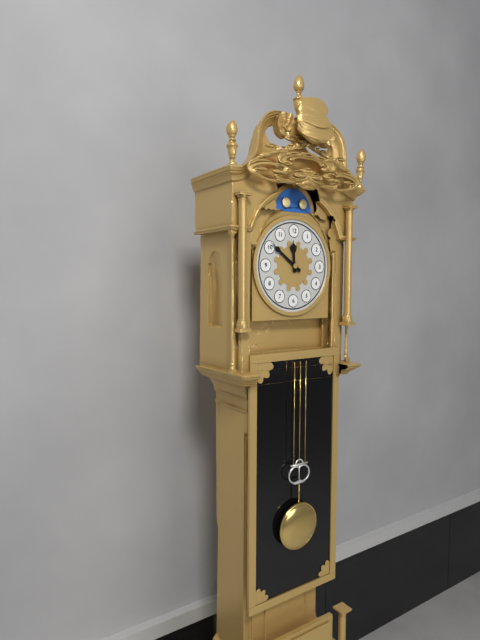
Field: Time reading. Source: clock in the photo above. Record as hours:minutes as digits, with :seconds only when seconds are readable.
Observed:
11:51
